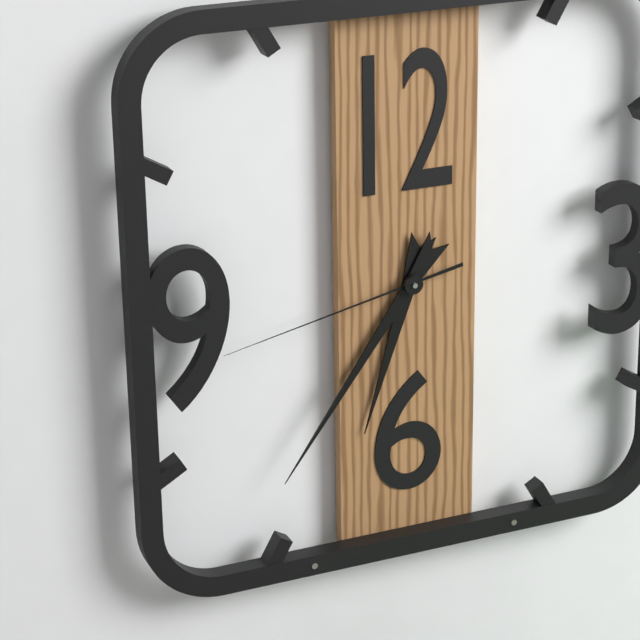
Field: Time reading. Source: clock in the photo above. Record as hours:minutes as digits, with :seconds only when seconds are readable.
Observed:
6:36:43
